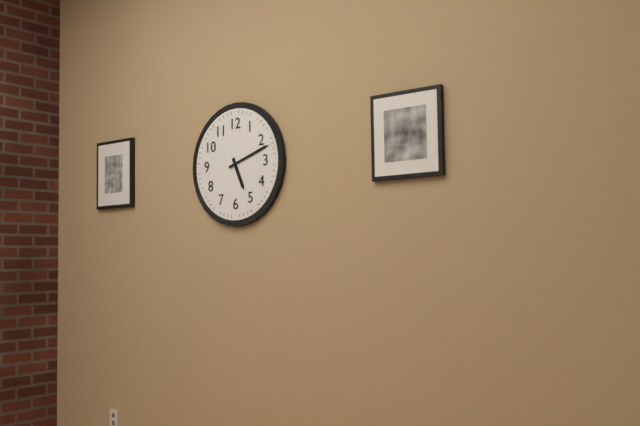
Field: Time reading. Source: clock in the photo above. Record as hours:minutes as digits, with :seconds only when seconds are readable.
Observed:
5:12
